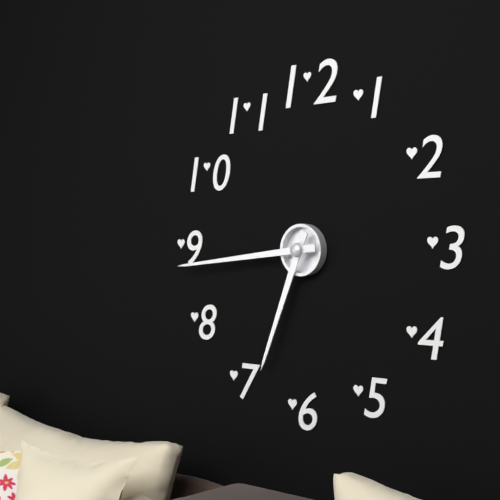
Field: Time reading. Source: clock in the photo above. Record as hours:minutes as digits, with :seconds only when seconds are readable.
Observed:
6:44
